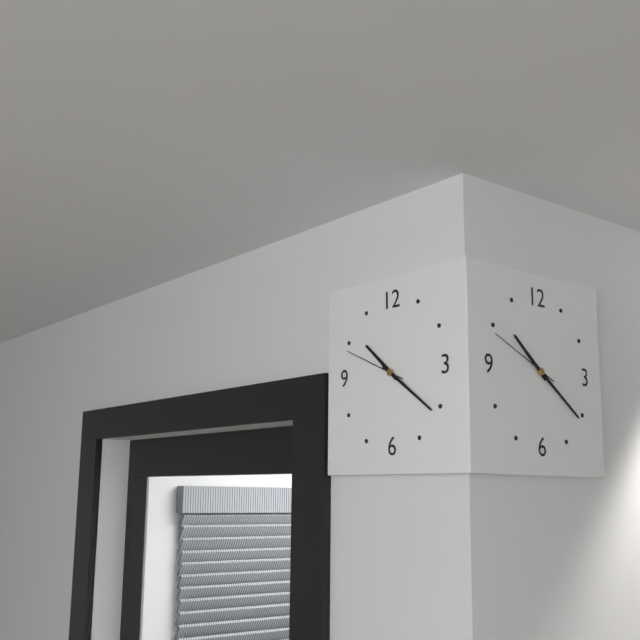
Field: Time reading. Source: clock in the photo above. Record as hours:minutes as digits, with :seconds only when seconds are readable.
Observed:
10:21:49
